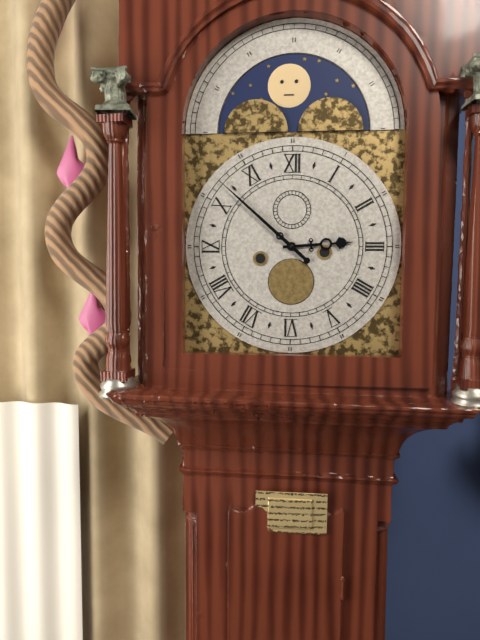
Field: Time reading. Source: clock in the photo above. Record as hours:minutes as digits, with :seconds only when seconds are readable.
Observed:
2:52
